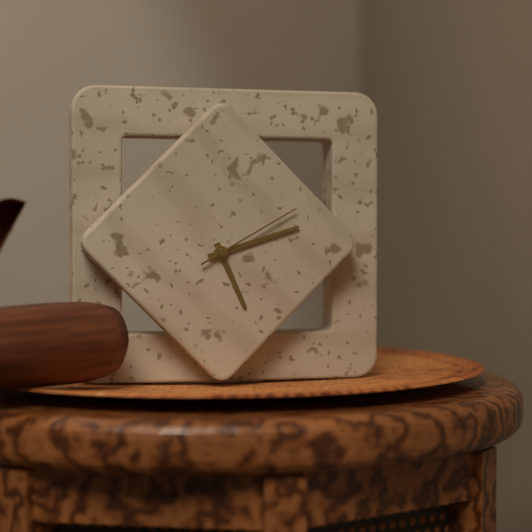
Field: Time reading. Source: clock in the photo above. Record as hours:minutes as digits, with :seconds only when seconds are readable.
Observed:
5:12:10
